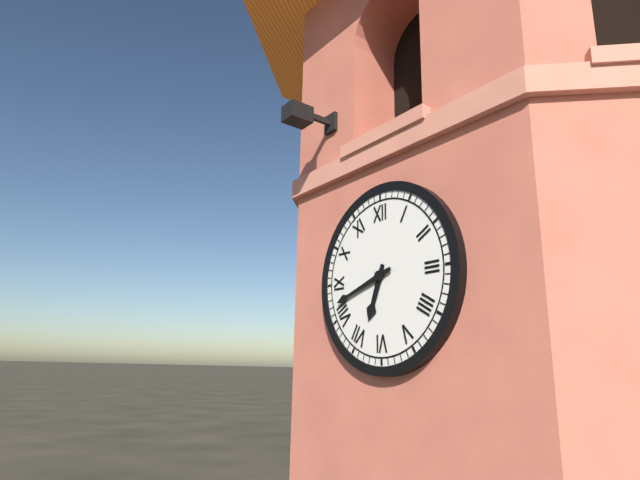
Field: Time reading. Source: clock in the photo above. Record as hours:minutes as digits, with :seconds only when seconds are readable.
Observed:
6:42
